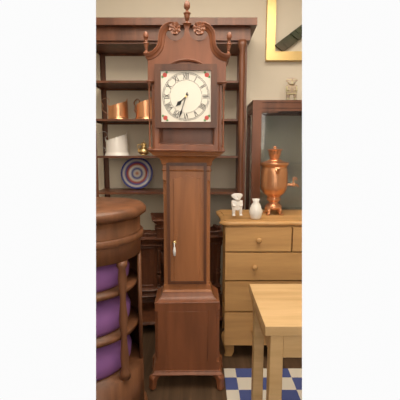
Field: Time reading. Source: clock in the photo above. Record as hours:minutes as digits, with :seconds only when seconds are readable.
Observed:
7:33
